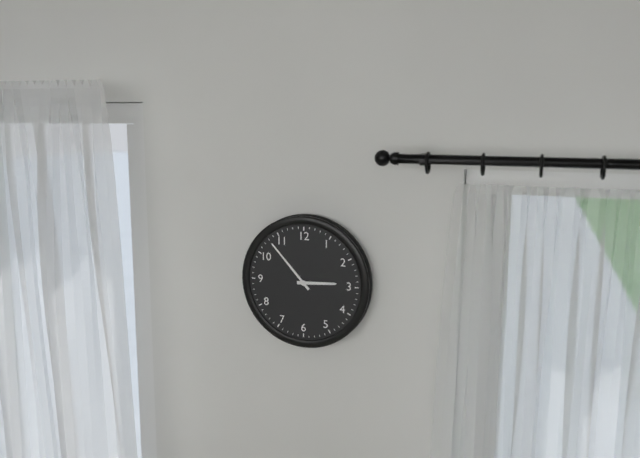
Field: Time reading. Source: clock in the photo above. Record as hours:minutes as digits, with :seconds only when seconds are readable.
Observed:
2:53
